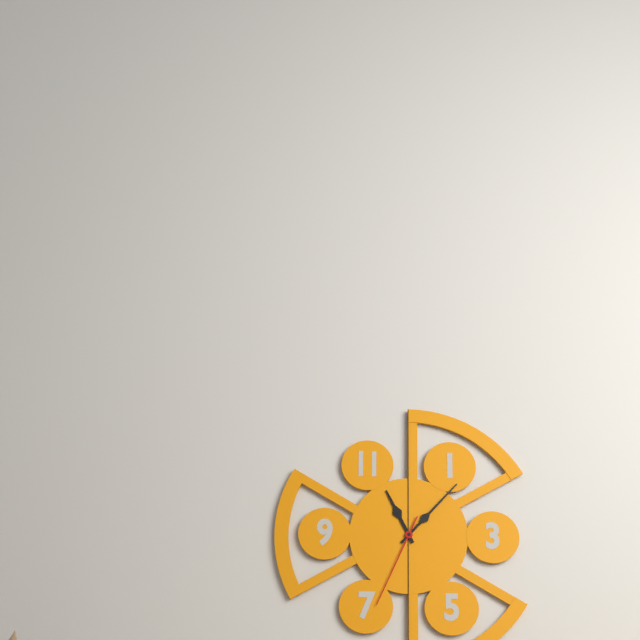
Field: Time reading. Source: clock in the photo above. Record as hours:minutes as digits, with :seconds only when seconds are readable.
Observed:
11:07:34
